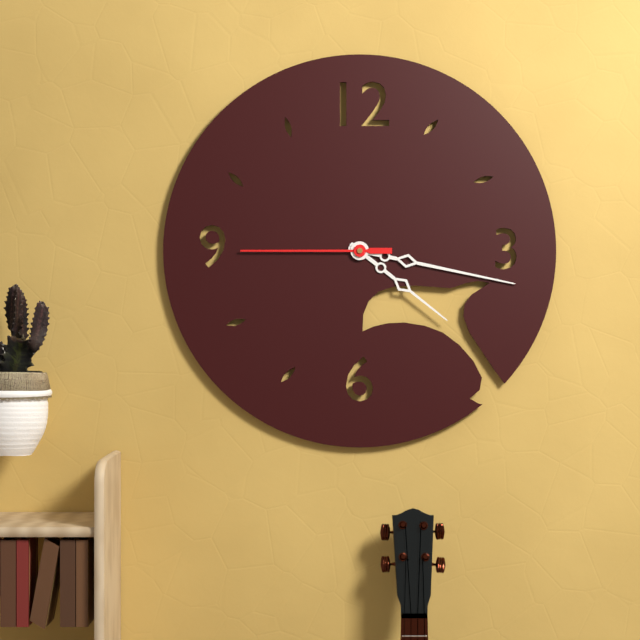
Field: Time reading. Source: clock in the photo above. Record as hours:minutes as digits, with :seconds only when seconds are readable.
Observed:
4:17:45
